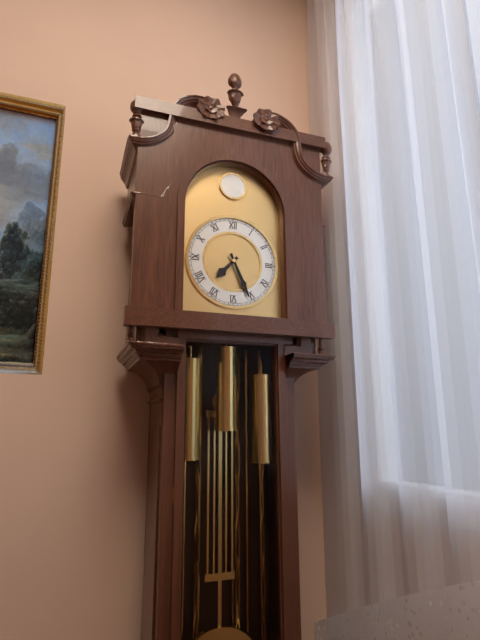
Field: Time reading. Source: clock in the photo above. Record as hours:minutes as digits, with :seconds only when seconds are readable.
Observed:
7:26
